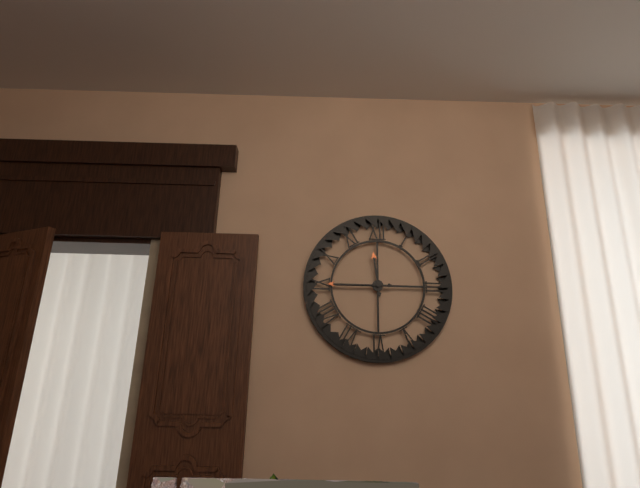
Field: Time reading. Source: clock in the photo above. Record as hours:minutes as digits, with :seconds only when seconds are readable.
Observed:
11:45
